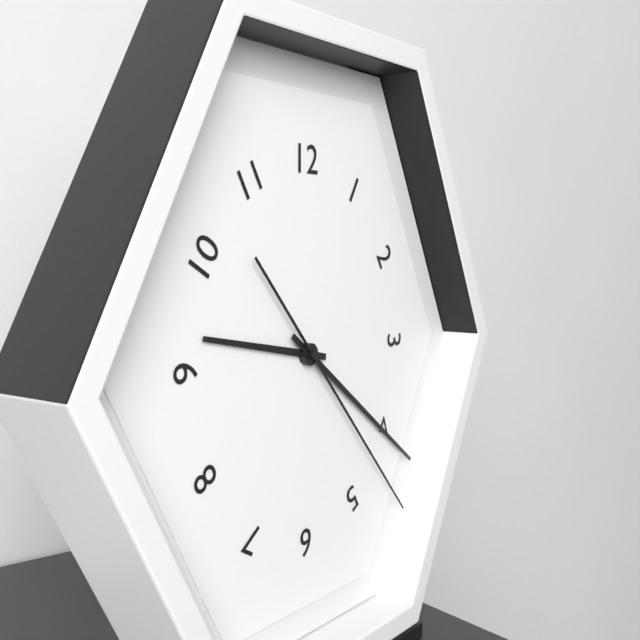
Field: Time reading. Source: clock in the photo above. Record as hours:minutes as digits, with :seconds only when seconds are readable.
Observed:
9:21:23
